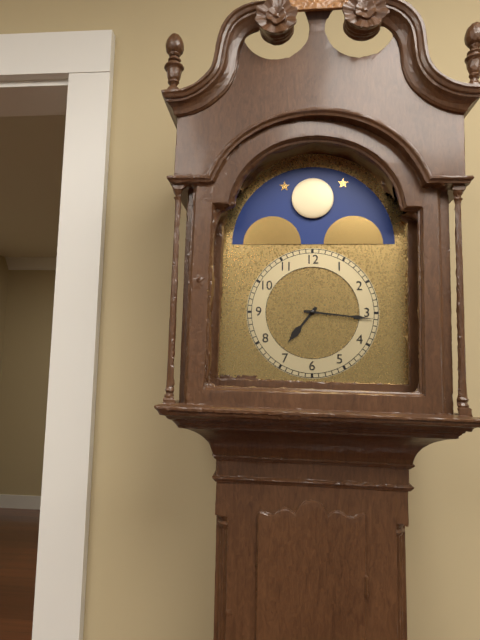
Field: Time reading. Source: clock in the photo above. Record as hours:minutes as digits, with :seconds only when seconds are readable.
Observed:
7:16
